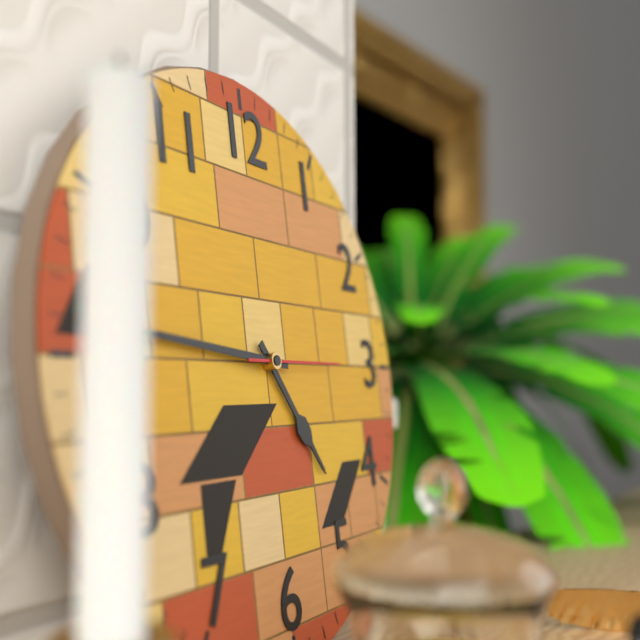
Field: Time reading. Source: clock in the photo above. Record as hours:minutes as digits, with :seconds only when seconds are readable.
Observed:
4:46:15
